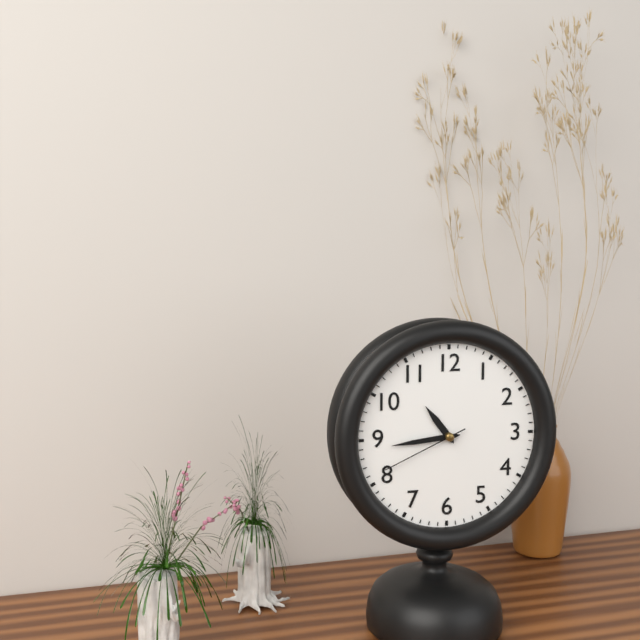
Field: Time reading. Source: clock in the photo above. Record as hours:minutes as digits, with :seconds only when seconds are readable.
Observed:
10:44:41
